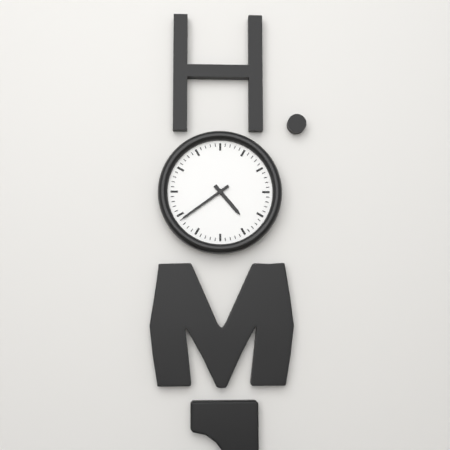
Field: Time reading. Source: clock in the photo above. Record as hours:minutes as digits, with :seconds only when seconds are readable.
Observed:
4:39
